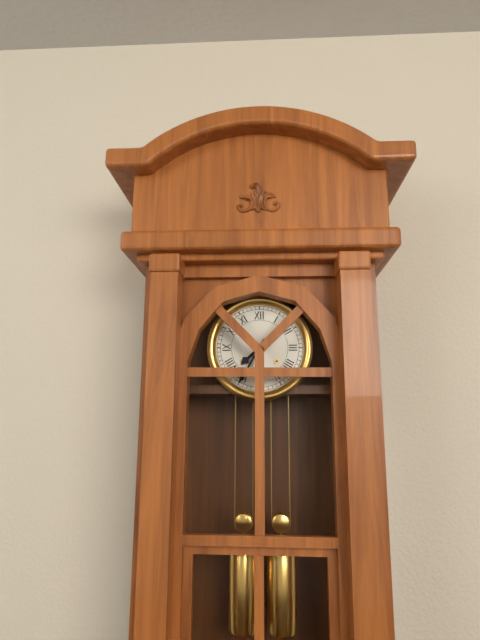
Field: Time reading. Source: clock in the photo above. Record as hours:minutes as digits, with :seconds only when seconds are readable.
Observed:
7:35
